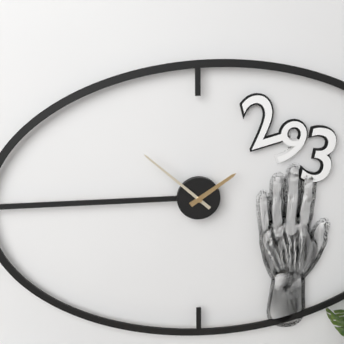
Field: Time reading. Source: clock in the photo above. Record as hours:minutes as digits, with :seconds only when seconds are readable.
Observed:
1:52
